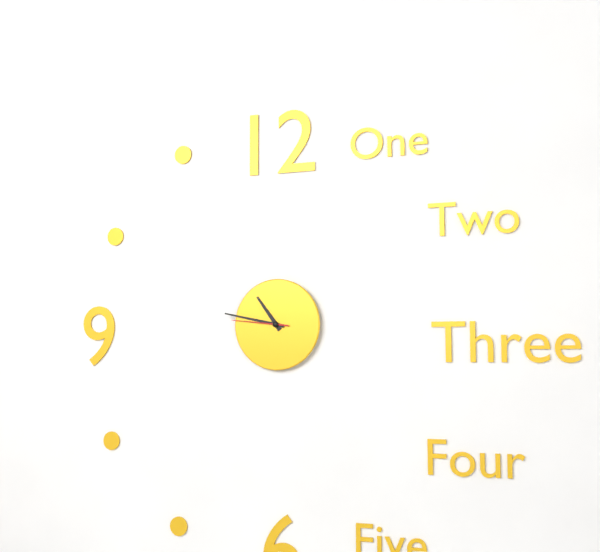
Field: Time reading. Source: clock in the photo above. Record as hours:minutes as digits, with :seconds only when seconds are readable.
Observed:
10:47:46
